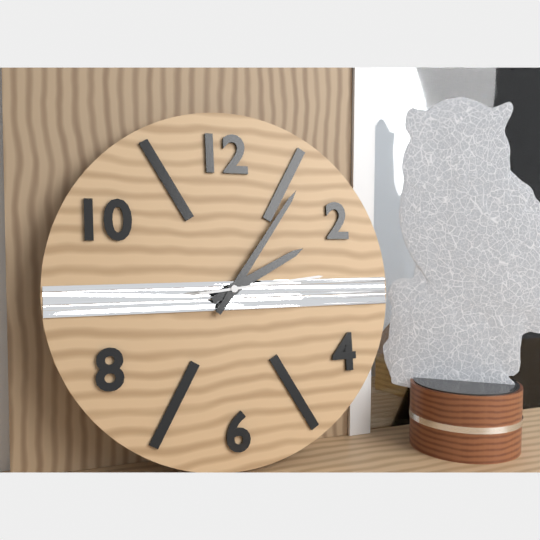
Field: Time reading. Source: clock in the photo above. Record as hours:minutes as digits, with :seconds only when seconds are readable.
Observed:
2:06:14
